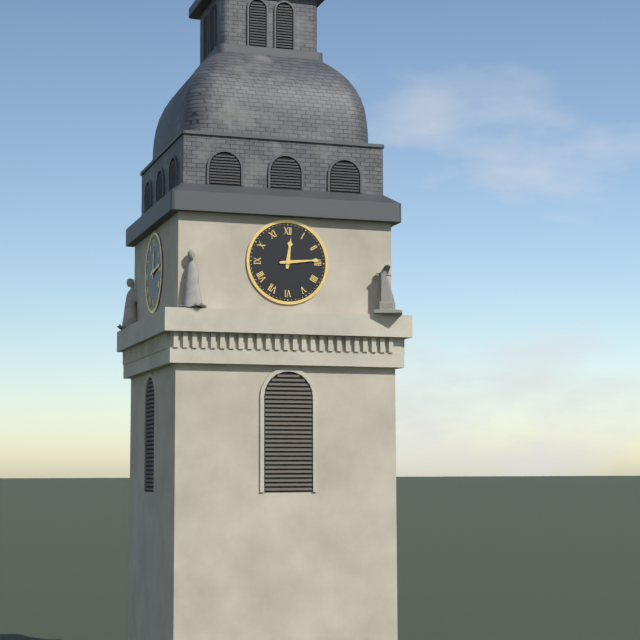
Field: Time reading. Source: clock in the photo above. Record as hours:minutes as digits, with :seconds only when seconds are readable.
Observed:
12:14
